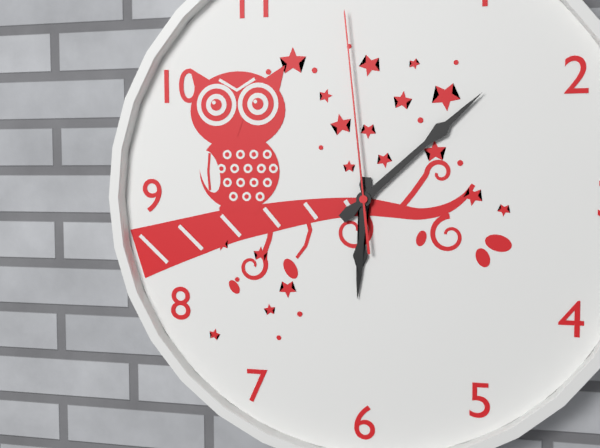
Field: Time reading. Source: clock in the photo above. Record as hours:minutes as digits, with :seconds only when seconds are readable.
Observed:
6:08:59
